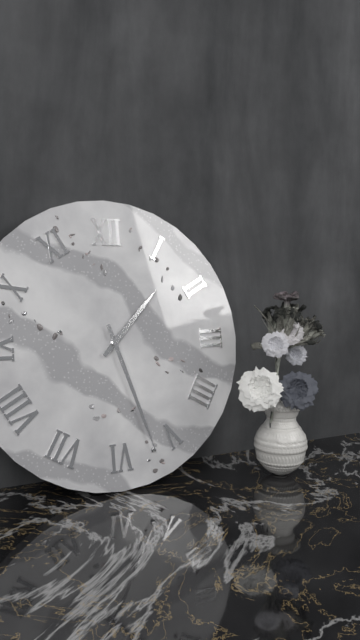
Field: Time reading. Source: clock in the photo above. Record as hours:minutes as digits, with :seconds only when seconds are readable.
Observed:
1:27
